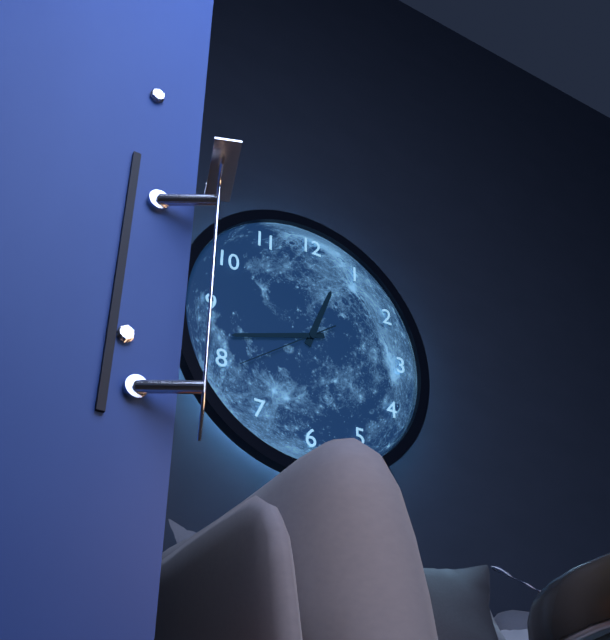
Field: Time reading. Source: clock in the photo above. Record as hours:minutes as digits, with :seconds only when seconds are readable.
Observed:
12:42:39
